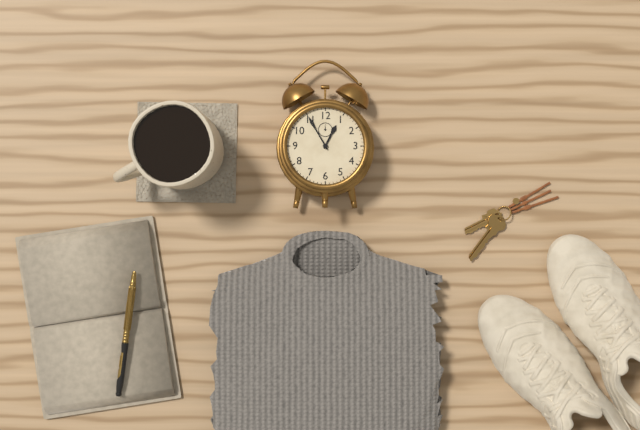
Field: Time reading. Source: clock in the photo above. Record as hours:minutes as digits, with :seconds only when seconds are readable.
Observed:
12:55
